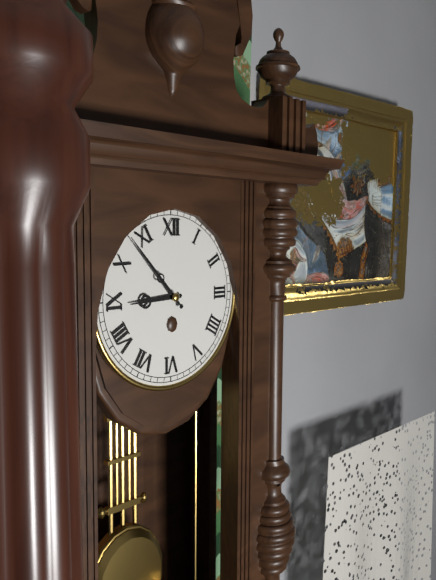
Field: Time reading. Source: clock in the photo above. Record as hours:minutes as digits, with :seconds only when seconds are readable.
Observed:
8:53
